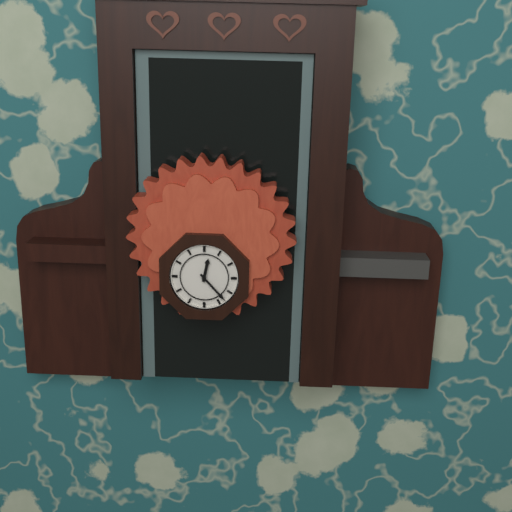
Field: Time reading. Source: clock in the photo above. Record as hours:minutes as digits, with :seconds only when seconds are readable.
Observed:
12:23
